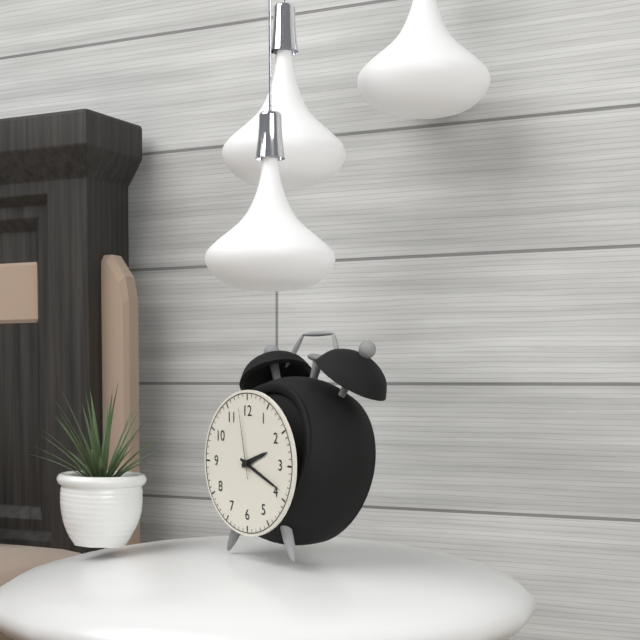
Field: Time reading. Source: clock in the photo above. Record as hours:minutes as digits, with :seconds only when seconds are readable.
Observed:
2:19:58
